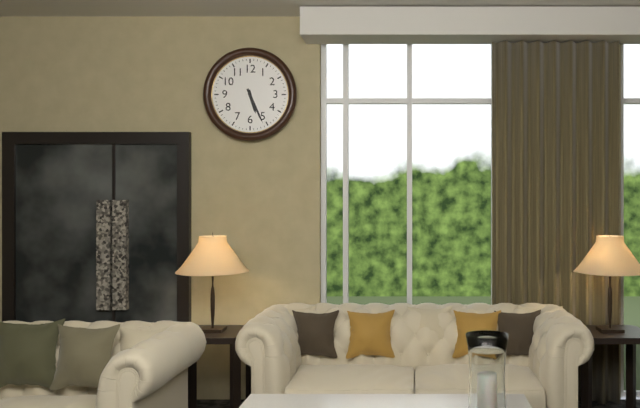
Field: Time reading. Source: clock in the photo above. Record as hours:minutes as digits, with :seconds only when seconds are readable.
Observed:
5:26
